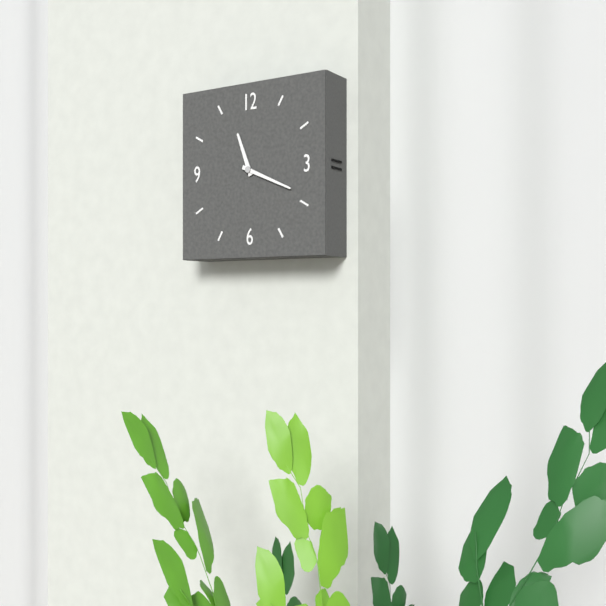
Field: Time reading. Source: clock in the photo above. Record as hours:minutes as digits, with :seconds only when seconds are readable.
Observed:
11:19
